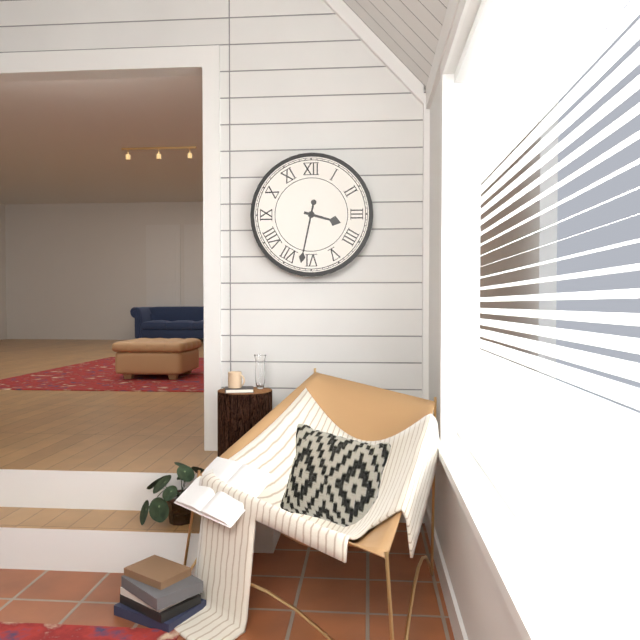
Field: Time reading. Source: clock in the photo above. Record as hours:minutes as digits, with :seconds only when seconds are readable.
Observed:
3:32
